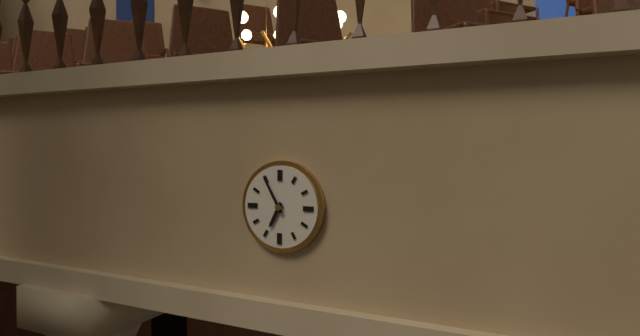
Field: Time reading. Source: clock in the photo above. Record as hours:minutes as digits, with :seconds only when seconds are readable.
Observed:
6:55
